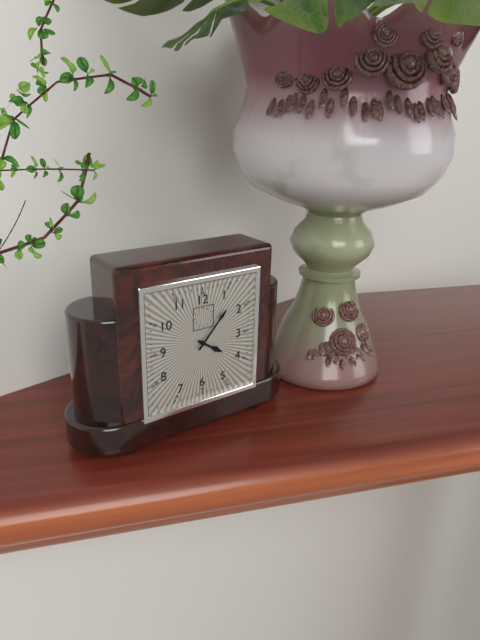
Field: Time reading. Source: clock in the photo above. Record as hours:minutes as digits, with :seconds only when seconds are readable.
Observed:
4:07
